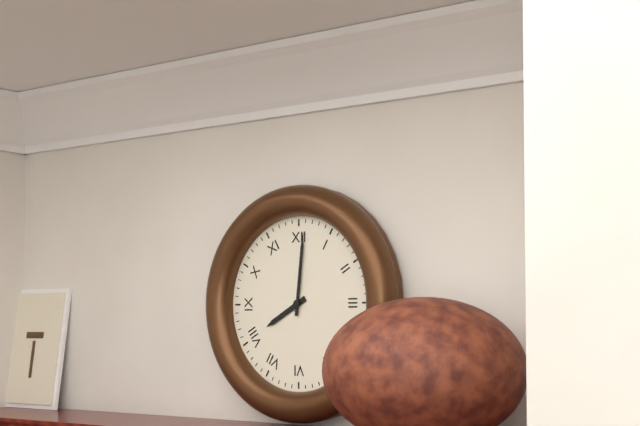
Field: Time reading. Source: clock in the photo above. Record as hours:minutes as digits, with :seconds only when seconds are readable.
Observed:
8:01
